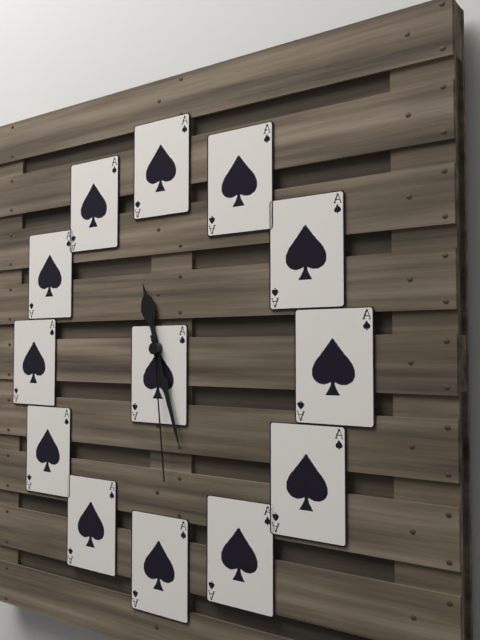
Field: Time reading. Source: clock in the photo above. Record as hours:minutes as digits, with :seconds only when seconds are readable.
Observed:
11:27:29
